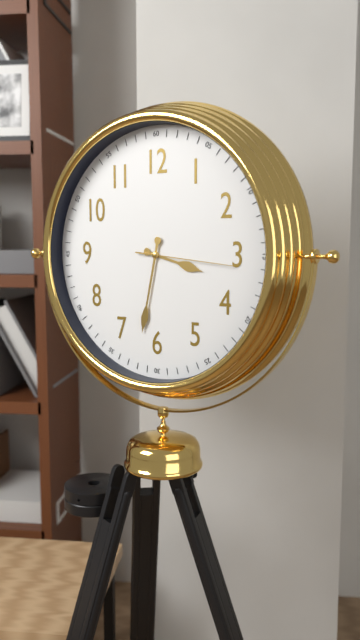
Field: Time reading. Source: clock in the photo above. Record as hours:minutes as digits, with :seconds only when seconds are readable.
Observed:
3:32:16
